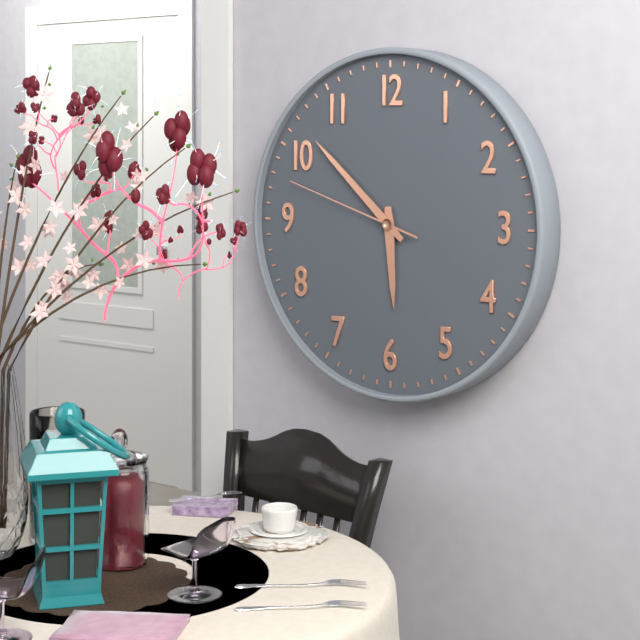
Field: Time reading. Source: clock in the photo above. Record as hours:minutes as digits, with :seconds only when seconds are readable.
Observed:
5:52:48
